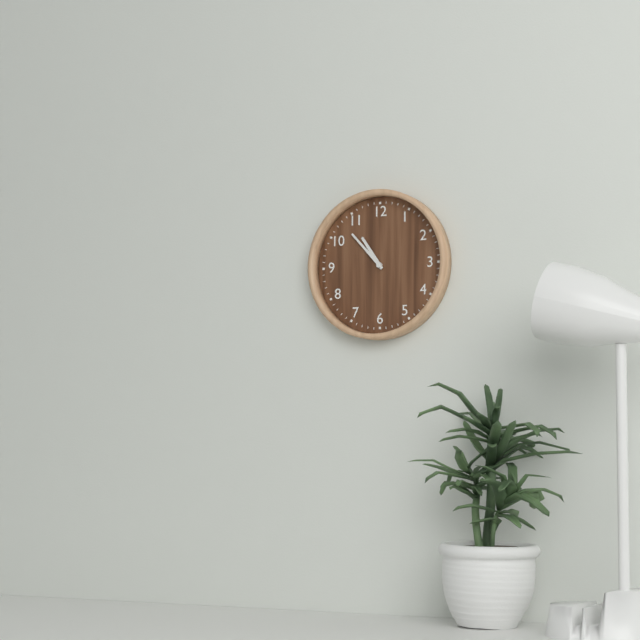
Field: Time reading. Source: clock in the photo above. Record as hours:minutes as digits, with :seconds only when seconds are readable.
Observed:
10:53
